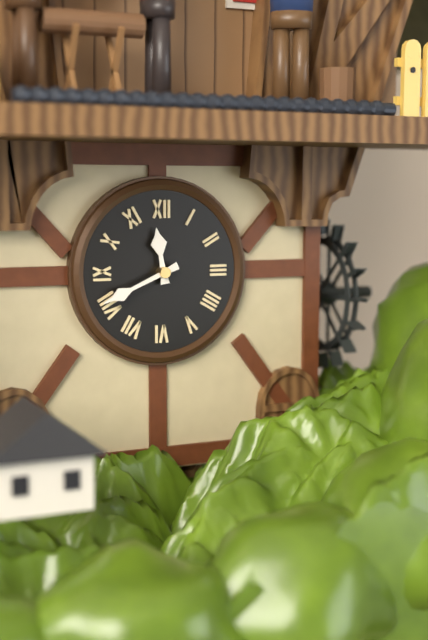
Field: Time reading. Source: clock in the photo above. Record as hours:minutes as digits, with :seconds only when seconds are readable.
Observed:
11:41
